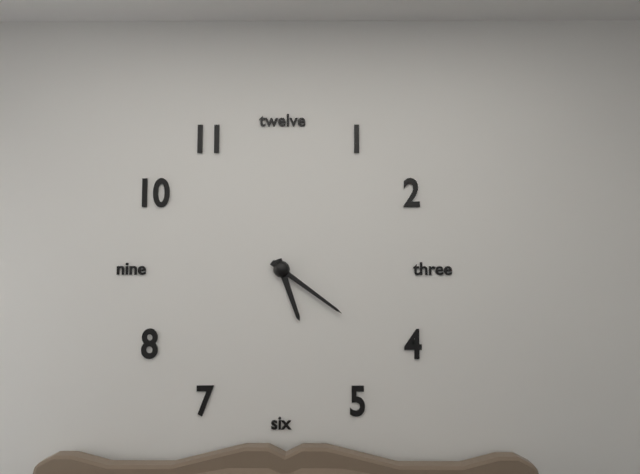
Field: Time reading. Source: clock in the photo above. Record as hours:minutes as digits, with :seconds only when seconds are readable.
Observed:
5:21
